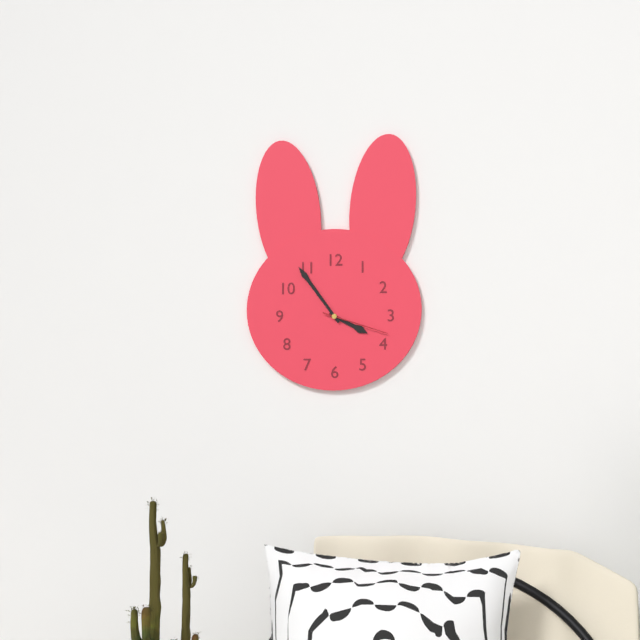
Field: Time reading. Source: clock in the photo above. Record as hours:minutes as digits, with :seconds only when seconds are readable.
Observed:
3:54:18
